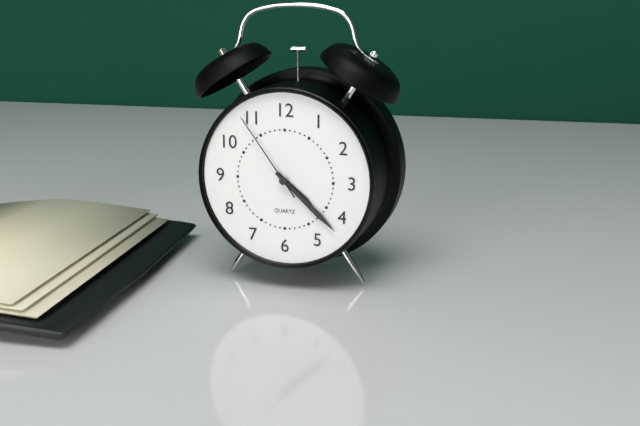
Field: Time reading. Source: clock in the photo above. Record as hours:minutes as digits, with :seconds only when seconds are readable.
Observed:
4:22:54
